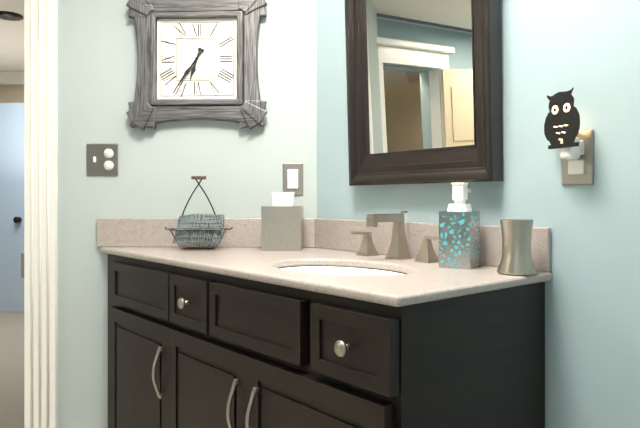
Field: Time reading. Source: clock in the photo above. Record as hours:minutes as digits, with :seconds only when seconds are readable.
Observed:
6:36
